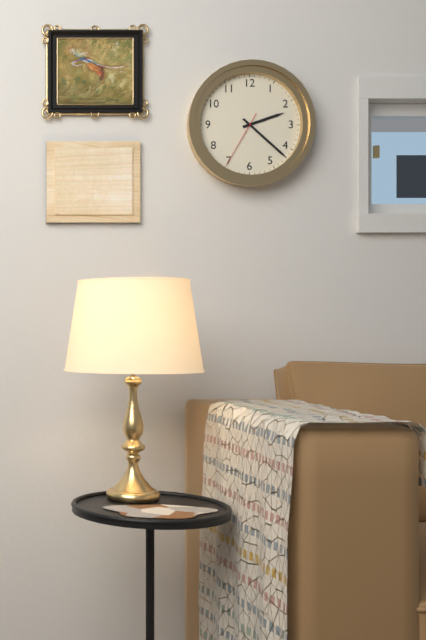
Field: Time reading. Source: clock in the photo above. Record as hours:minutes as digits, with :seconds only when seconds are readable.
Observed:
2:22:35
